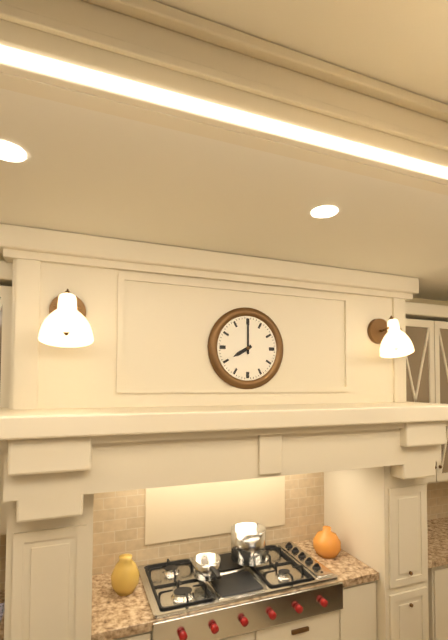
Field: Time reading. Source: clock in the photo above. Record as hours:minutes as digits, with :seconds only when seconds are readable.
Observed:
8:00
